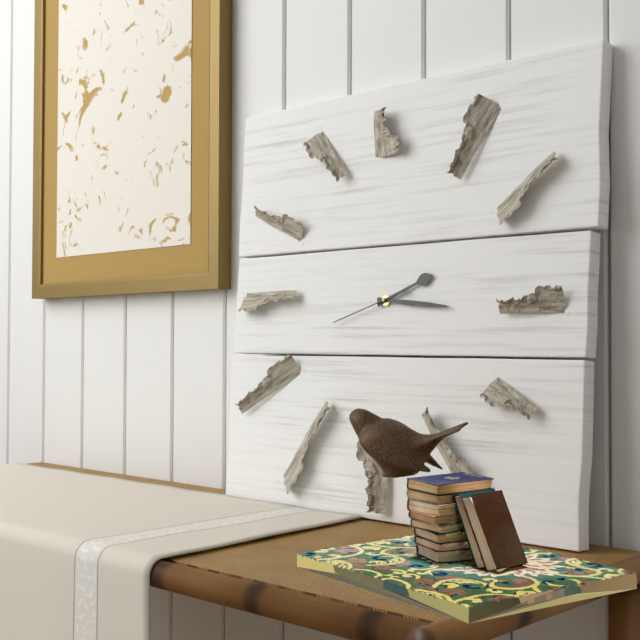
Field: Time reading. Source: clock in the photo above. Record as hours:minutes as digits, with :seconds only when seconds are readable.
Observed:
2:16:42
